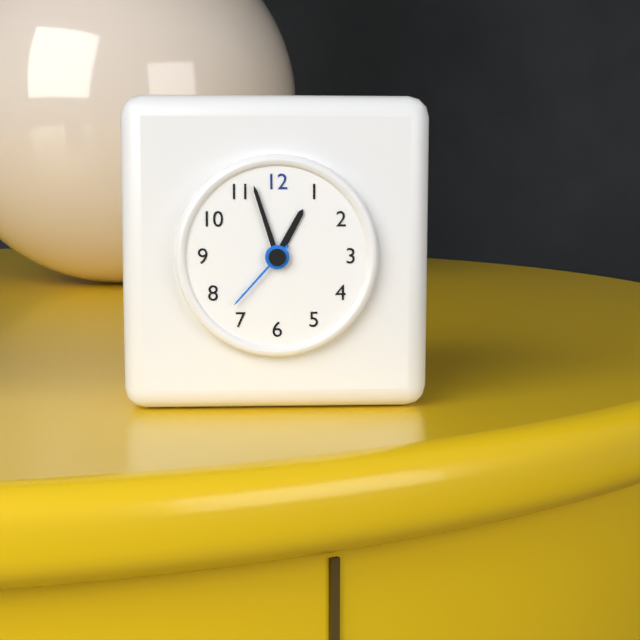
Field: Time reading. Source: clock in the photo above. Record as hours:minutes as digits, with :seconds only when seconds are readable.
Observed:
12:57:37
